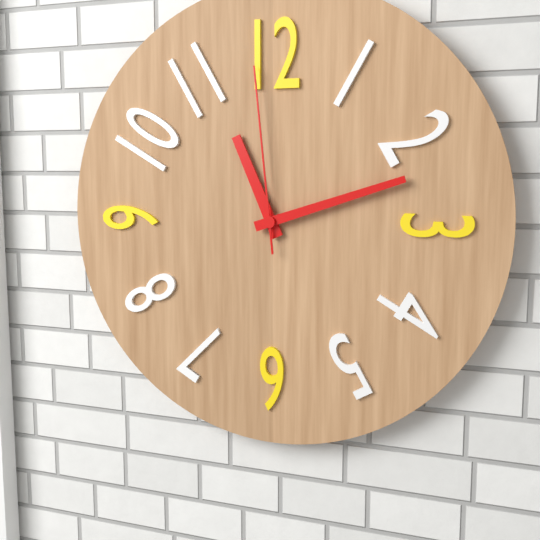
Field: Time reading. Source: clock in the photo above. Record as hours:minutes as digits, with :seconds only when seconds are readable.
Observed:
11:12:59
